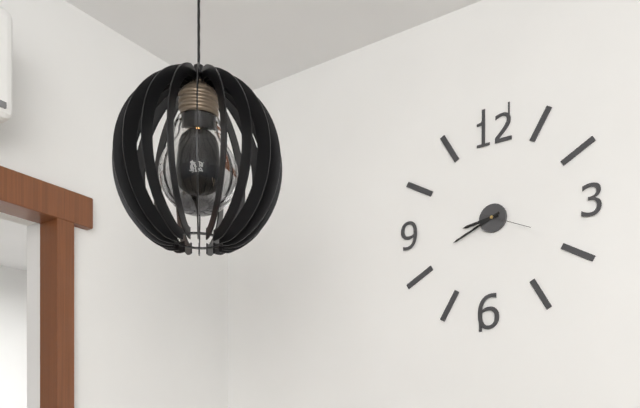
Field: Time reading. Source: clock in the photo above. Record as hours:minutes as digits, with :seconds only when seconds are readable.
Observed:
8:41:19
